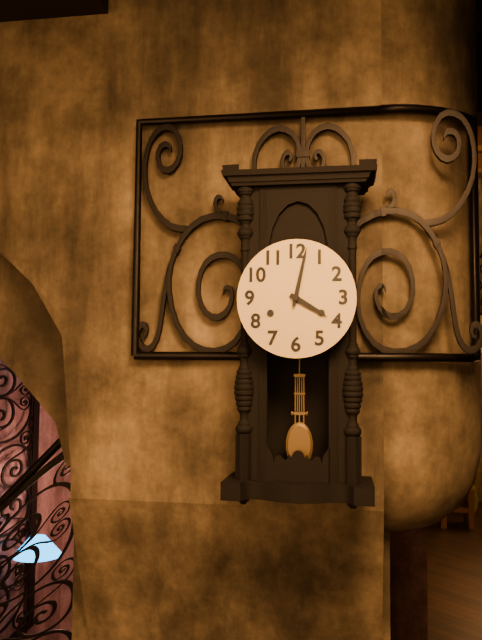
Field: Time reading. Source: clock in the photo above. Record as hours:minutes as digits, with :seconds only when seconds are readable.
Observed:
4:02
